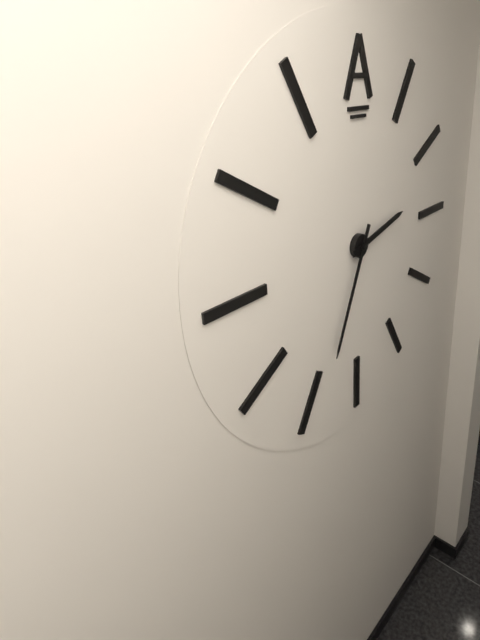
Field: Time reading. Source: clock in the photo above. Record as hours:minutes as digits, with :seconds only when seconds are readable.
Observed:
2:34
